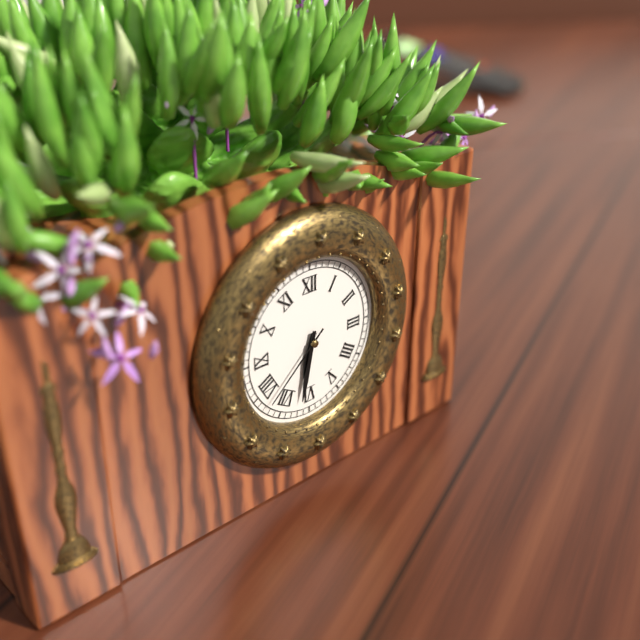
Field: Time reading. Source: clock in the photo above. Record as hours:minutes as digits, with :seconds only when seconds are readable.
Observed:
6:32:38
